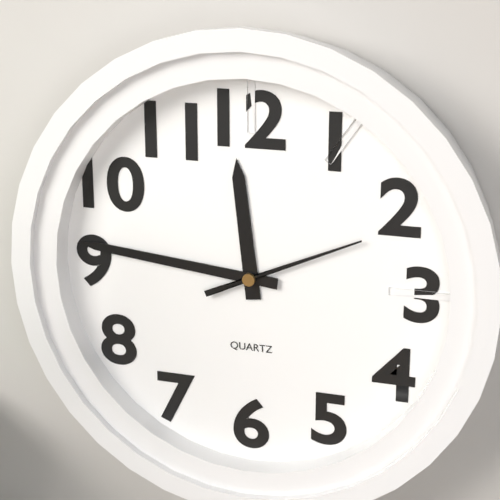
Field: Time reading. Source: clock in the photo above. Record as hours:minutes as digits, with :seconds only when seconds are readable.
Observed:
11:46:11
